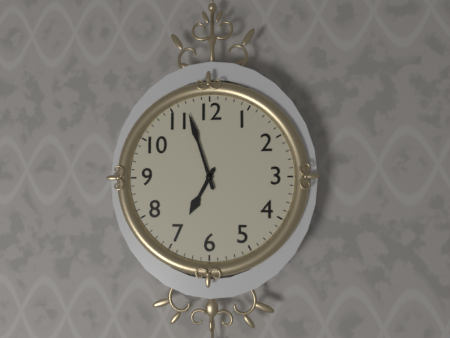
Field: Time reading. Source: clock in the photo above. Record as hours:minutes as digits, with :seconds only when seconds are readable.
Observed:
6:57
